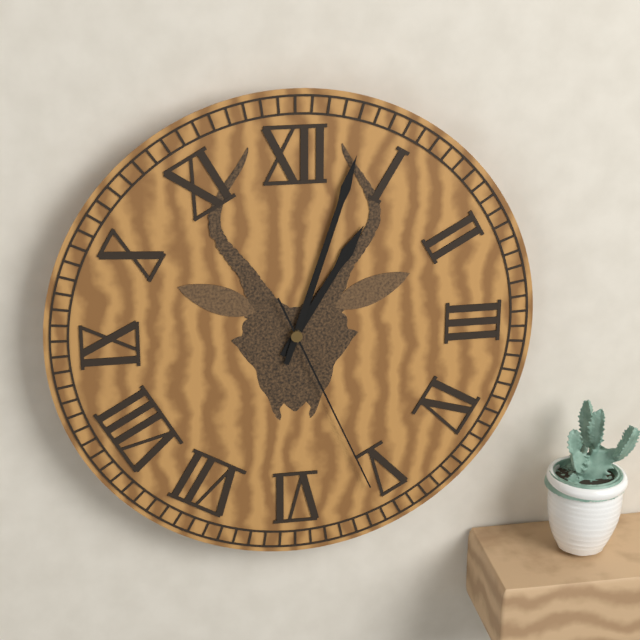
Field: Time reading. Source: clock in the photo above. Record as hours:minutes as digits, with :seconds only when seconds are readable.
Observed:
1:03:26
